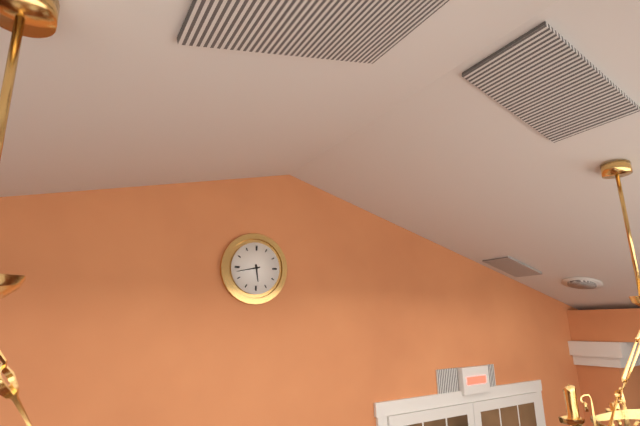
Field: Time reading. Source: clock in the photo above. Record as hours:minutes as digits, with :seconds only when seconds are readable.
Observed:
5:43
